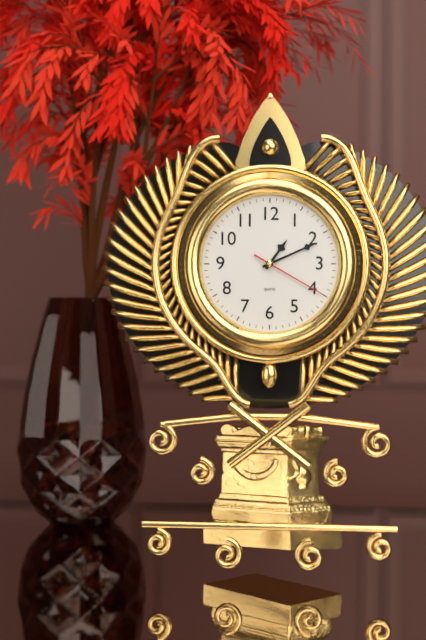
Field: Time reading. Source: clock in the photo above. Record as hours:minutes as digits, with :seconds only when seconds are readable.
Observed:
1:11:20
